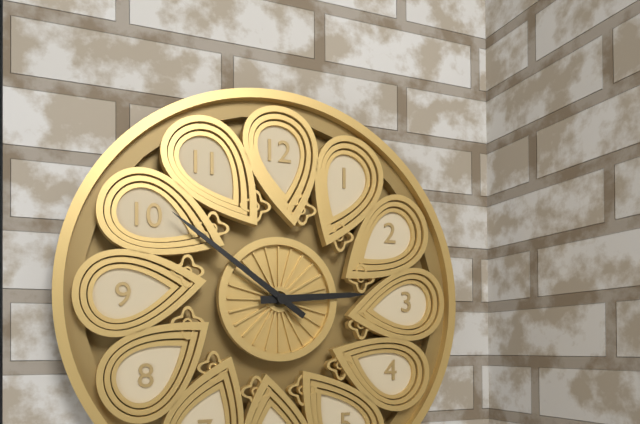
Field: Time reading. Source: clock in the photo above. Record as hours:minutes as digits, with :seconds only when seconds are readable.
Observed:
2:51
